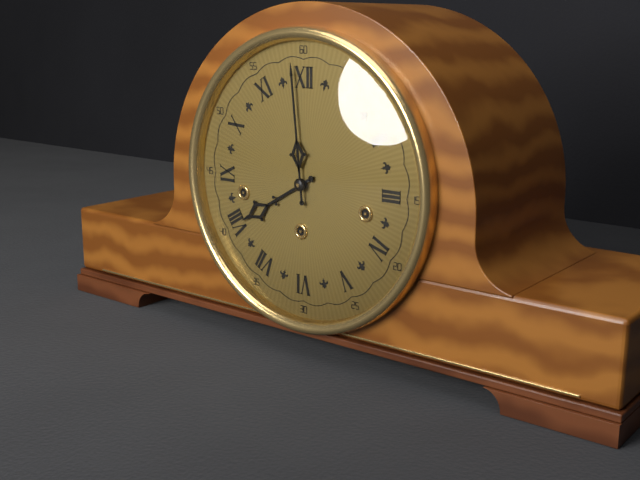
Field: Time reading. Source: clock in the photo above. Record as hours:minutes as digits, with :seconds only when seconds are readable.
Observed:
7:59
